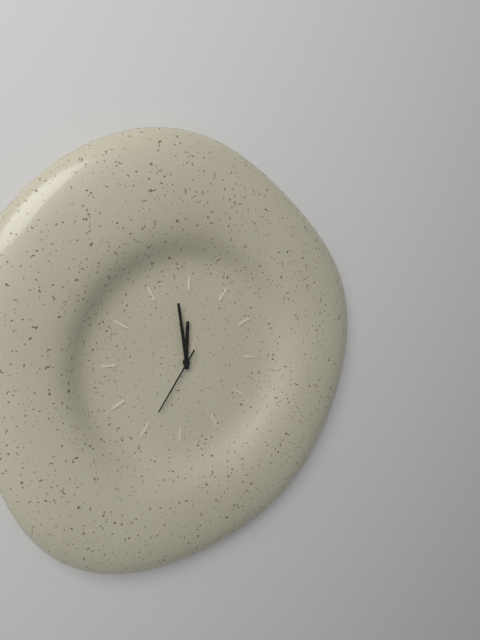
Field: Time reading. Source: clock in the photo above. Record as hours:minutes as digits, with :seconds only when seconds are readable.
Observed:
11:58:35
